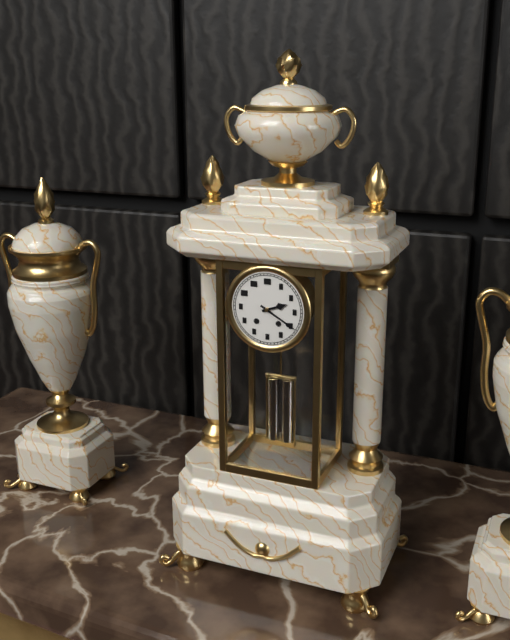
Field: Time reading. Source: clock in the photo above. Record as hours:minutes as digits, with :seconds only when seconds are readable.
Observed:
2:20
